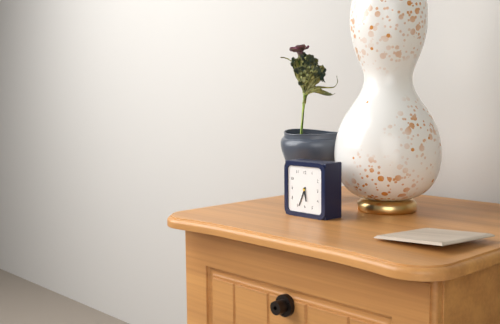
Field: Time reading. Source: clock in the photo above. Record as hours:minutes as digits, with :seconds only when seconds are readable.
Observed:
5:34
